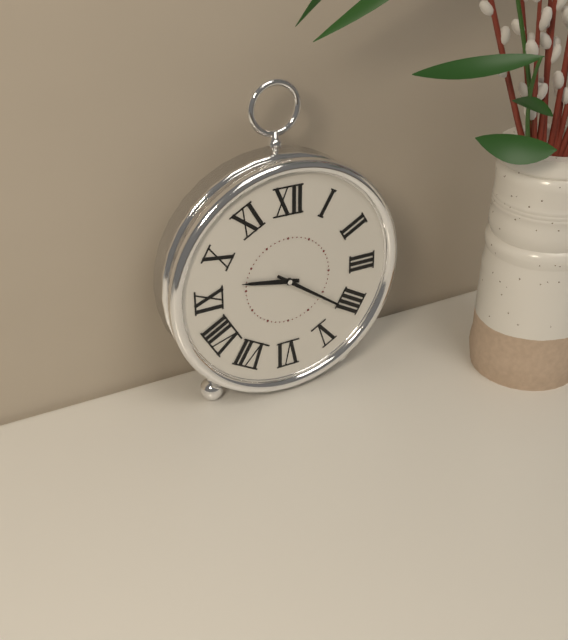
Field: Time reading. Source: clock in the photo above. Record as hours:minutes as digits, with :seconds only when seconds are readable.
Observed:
9:21
